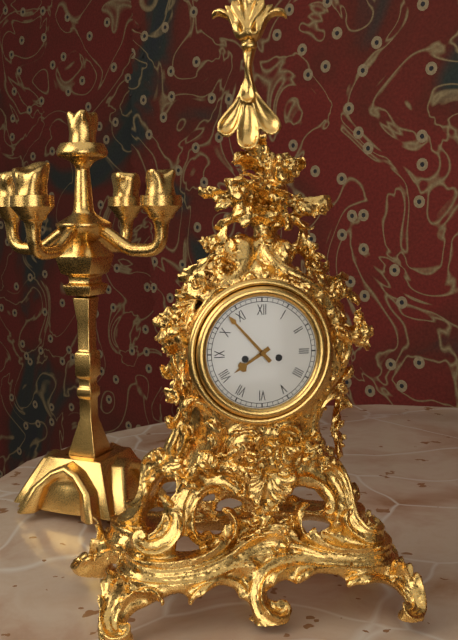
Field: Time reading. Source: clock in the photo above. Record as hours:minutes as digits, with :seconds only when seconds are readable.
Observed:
7:53
